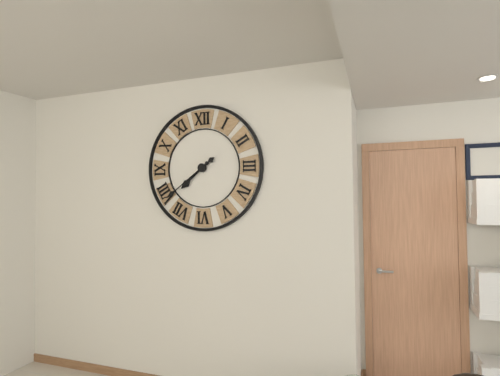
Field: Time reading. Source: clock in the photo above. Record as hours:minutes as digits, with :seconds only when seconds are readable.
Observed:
7:39
